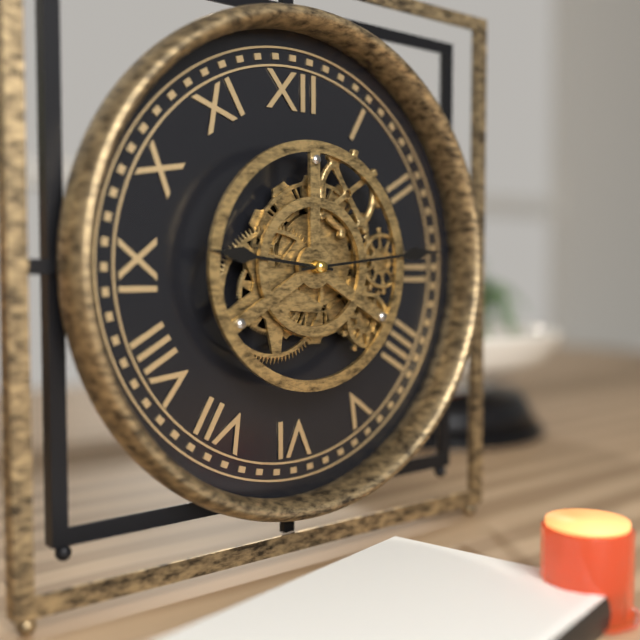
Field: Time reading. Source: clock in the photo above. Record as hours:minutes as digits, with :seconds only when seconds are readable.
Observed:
9:14
